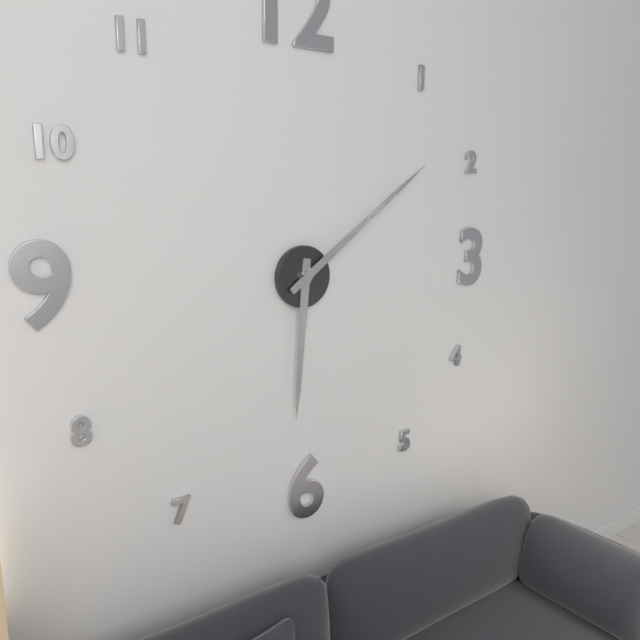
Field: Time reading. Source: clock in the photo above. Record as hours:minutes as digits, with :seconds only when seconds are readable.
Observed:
6:09
